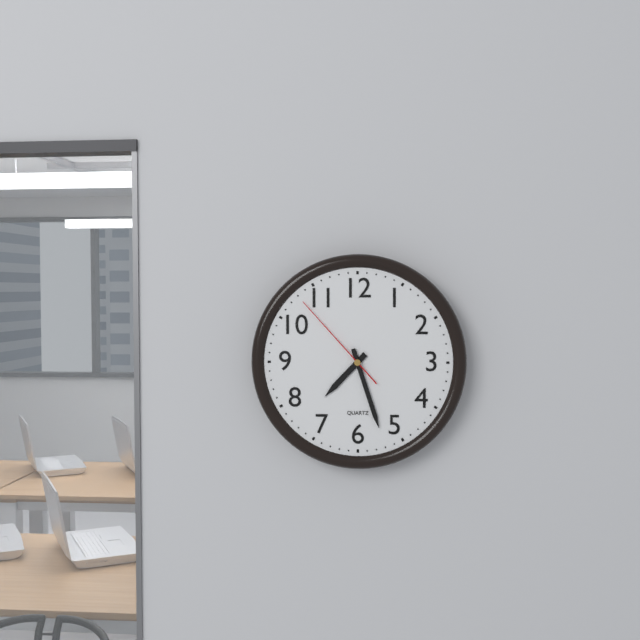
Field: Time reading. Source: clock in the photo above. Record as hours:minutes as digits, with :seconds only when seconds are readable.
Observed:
7:27:53
